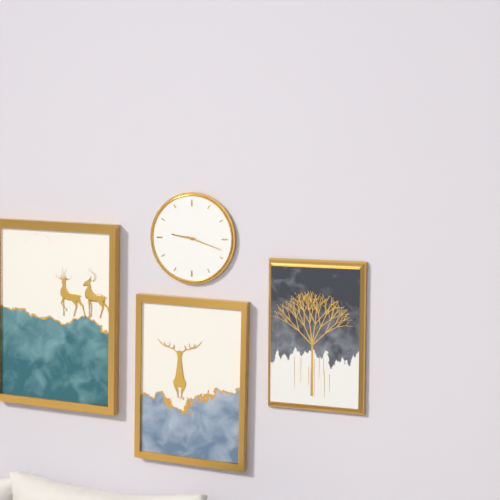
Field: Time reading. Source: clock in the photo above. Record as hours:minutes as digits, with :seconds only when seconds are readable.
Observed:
9:18
